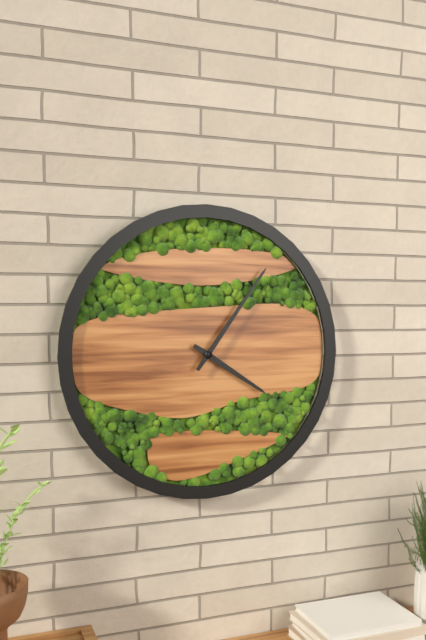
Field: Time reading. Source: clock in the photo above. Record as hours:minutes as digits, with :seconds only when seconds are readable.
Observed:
4:06
